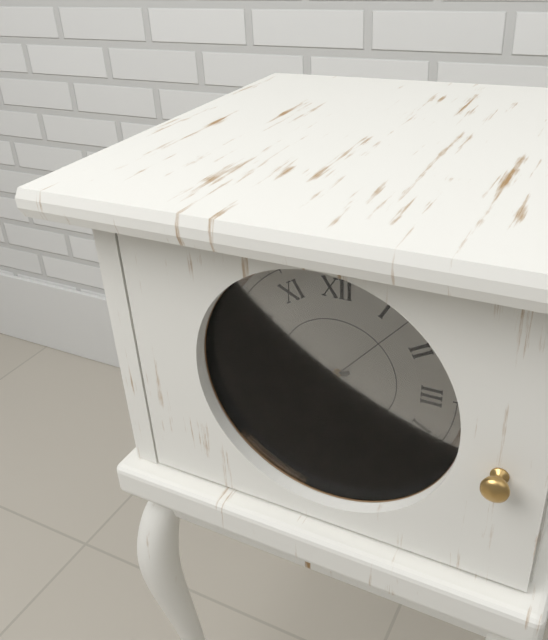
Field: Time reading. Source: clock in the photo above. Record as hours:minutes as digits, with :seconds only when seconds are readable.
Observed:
8:41:07
